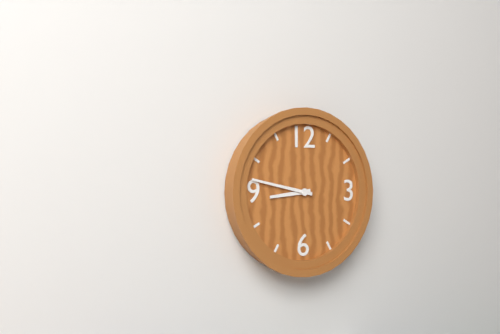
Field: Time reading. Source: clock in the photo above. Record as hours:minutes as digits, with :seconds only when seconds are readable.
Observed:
8:47
